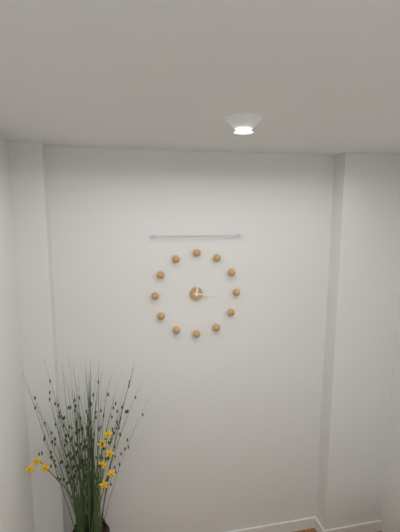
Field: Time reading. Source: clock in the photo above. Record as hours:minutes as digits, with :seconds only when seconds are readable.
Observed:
12:16
